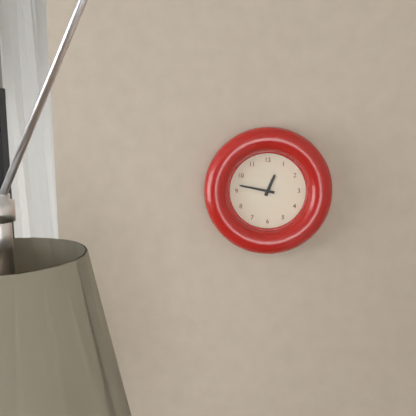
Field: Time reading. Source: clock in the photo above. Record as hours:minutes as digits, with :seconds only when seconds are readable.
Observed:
12:47
